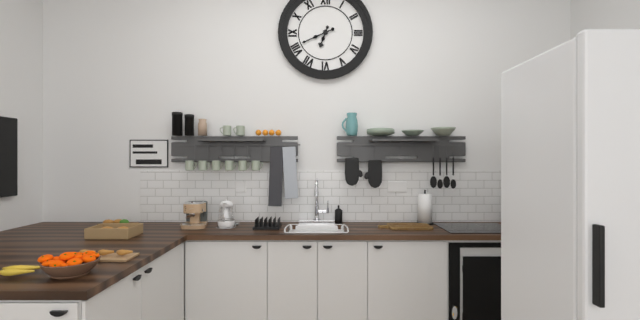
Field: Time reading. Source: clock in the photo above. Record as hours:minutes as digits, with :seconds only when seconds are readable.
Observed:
6:41
